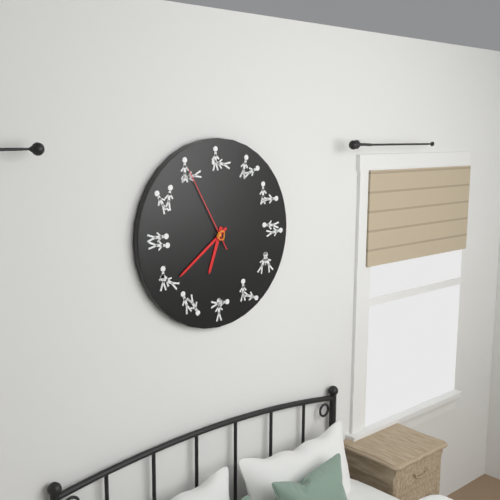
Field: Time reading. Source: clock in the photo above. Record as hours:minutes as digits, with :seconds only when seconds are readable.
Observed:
6:39:55
